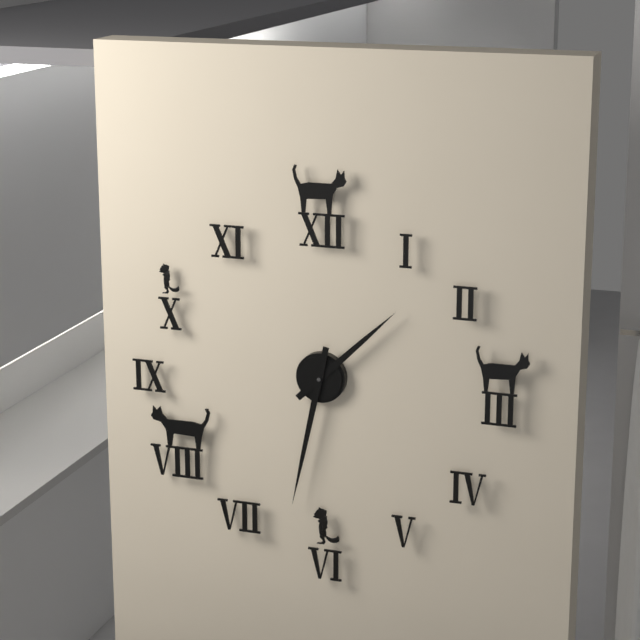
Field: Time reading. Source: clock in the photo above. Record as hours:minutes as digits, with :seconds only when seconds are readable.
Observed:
1:32
